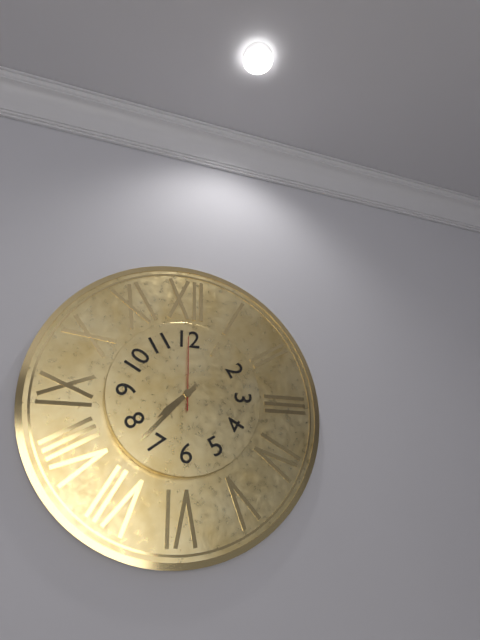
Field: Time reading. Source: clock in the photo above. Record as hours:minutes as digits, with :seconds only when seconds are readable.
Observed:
7:37:00
